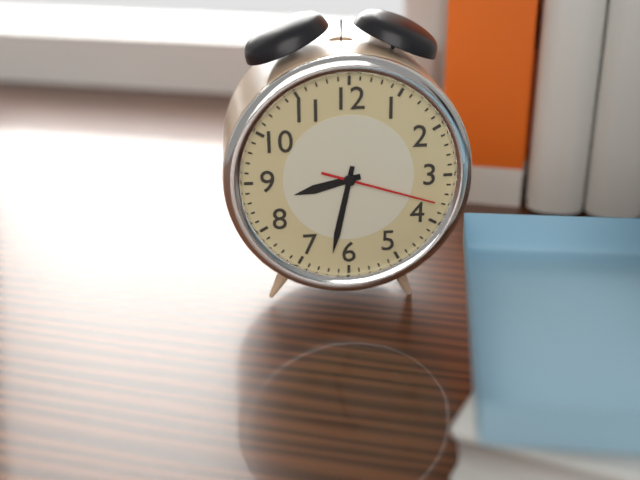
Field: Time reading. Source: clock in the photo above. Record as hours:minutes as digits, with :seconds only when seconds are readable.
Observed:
8:32:18
